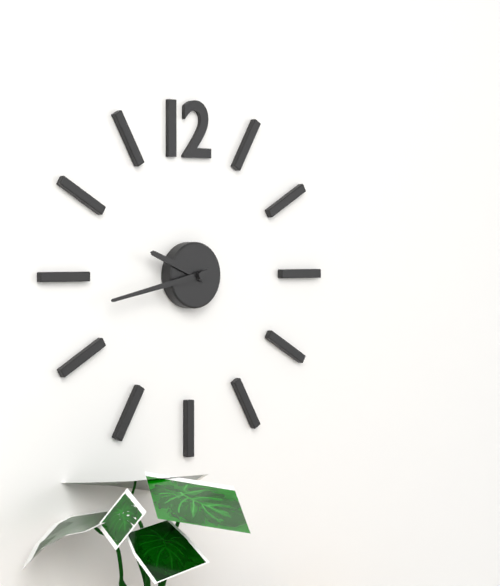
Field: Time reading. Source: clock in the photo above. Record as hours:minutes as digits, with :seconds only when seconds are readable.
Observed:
9:43
